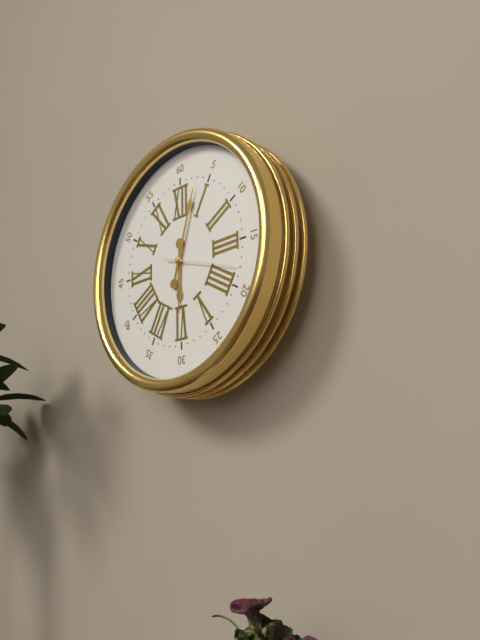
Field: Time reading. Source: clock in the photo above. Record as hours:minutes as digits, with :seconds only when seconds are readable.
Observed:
6:03:18
